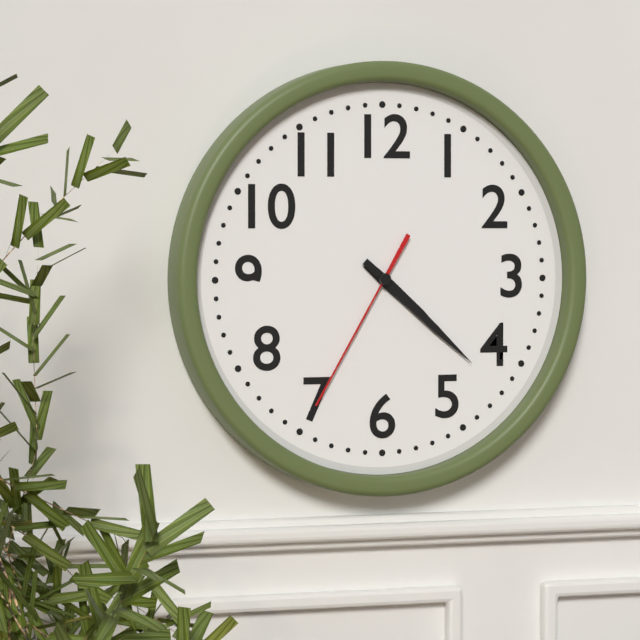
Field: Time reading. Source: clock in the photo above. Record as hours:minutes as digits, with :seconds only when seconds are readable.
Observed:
4:22:35
